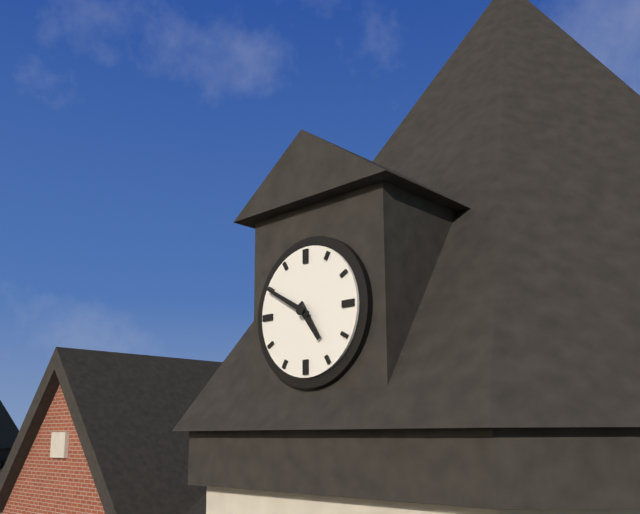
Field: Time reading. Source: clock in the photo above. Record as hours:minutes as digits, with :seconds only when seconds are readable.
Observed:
4:50
